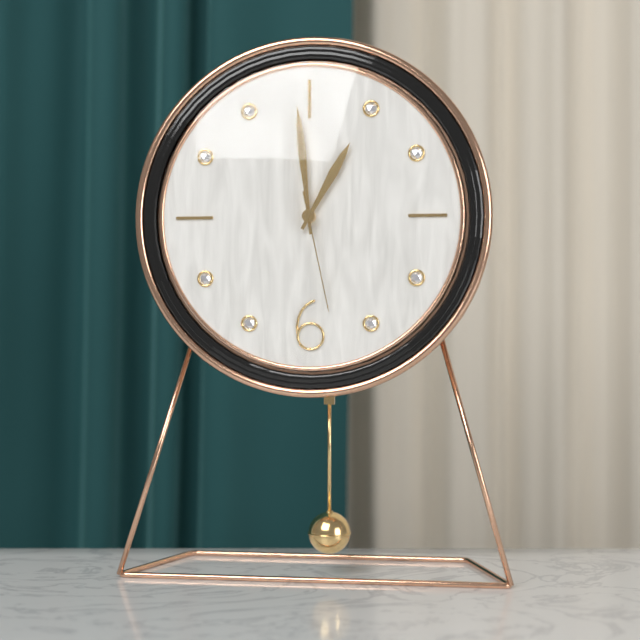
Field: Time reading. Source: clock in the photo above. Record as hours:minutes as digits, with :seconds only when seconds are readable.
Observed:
12:59:28
